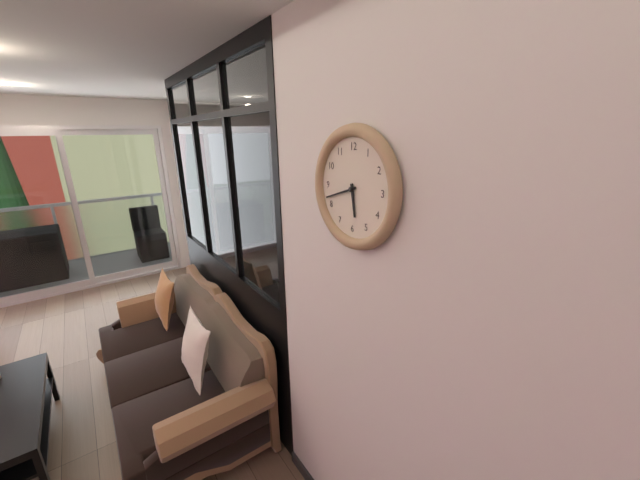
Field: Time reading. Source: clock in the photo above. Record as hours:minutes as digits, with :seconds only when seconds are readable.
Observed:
5:42
